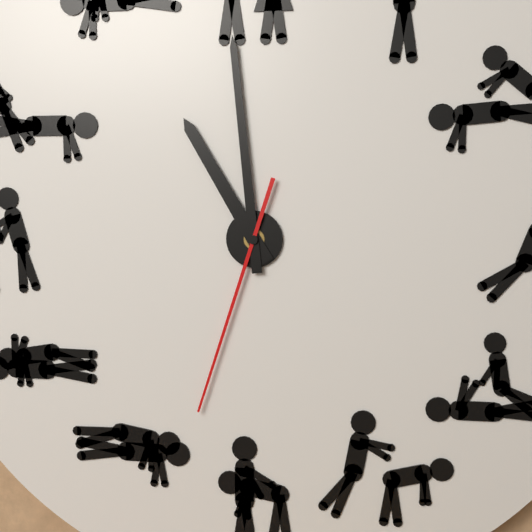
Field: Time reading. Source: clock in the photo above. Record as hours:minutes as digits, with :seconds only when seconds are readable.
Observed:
10:59:33
